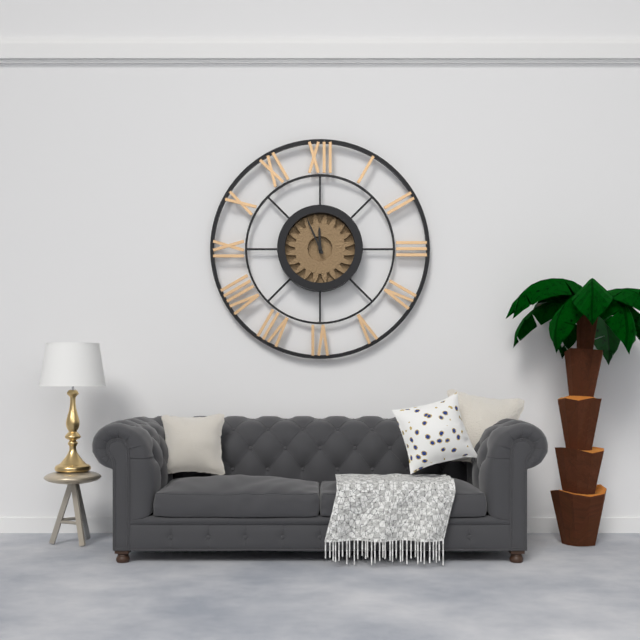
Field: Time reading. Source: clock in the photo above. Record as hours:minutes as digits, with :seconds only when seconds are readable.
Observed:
11:56
